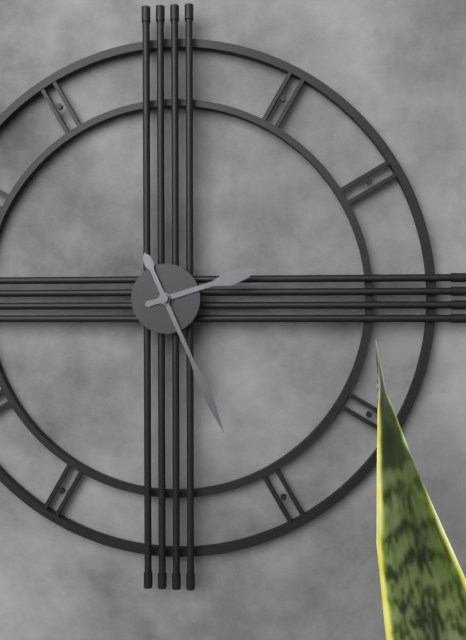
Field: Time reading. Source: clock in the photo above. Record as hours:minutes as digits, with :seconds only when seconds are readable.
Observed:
2:26
